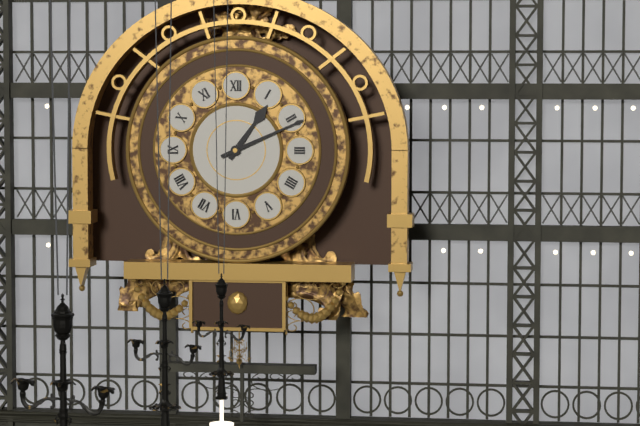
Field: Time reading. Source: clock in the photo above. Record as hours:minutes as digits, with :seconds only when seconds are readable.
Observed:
1:11
